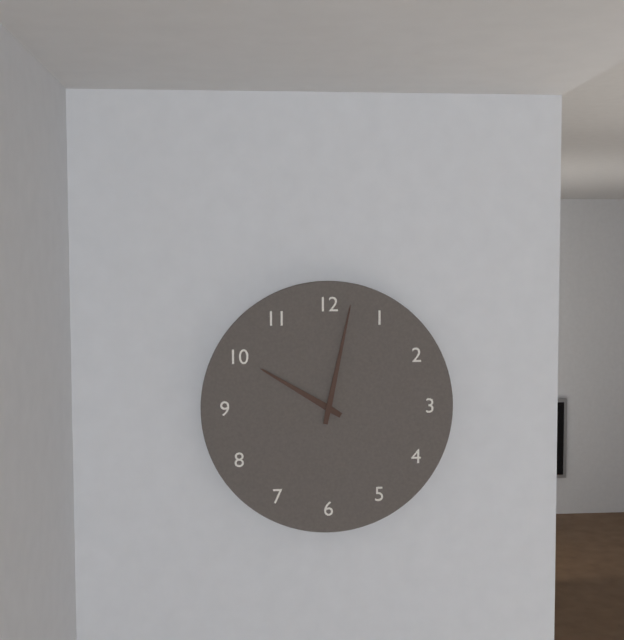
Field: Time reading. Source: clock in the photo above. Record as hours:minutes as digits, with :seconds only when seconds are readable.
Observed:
10:02
